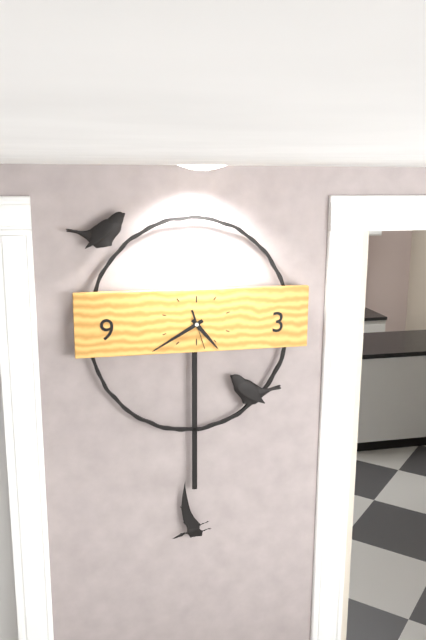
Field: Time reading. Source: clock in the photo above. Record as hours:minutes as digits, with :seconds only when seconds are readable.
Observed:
4:40
